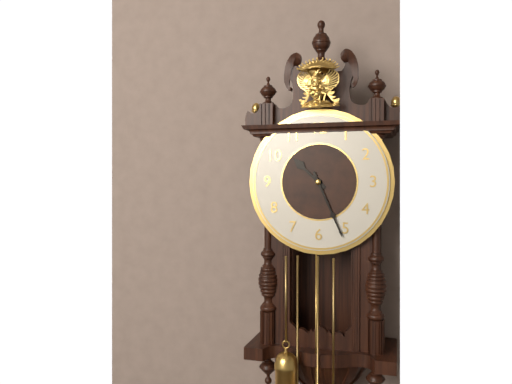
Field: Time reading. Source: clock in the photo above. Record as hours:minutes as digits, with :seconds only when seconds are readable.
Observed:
10:26
